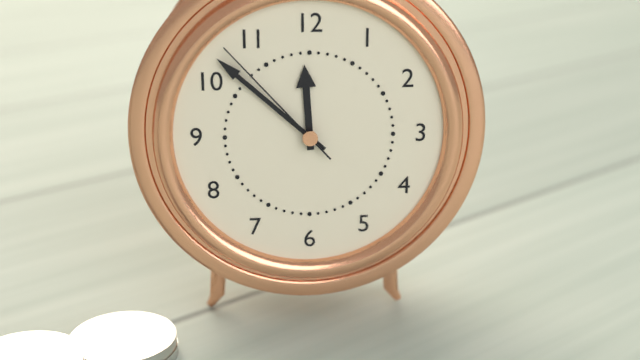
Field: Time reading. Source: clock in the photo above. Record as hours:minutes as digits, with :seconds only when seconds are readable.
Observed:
11:52:53
